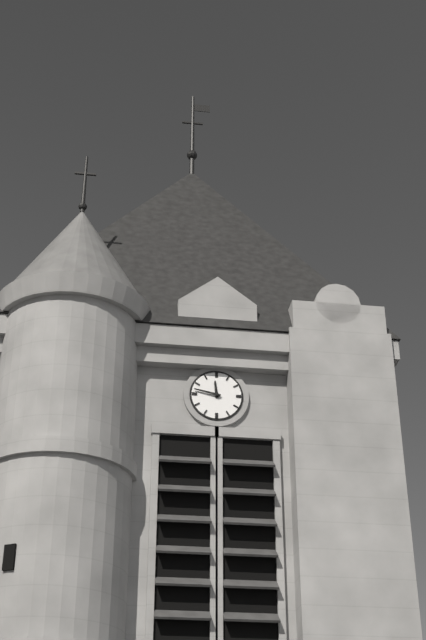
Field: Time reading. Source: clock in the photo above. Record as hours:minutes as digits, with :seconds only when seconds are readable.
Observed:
11:47
